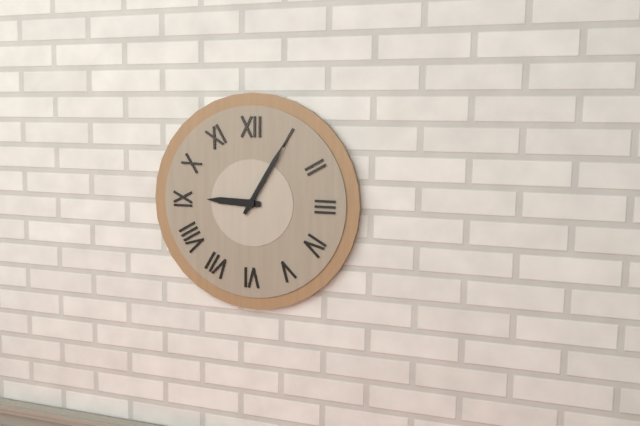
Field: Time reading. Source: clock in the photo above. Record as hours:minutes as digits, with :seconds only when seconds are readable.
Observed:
9:05
